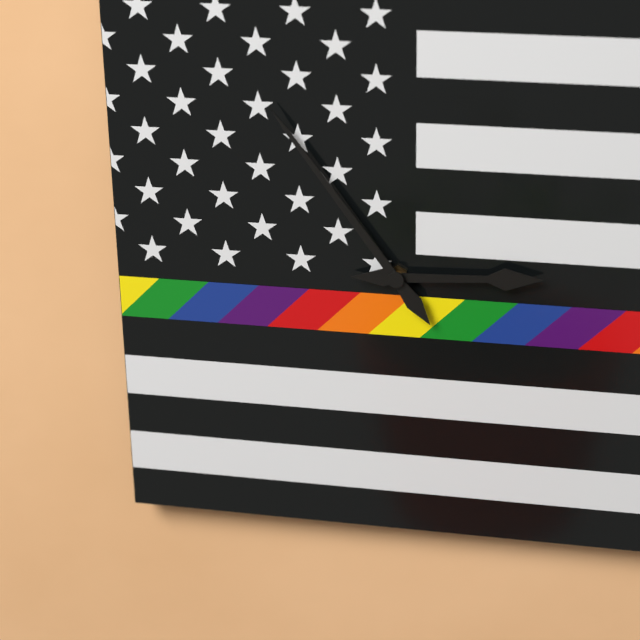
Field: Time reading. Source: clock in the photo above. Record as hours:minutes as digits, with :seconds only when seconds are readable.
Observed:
2:54
